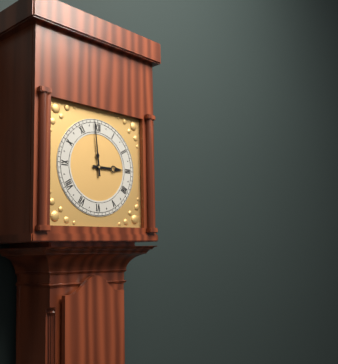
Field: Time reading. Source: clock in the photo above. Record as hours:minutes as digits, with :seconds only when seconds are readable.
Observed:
2:59
